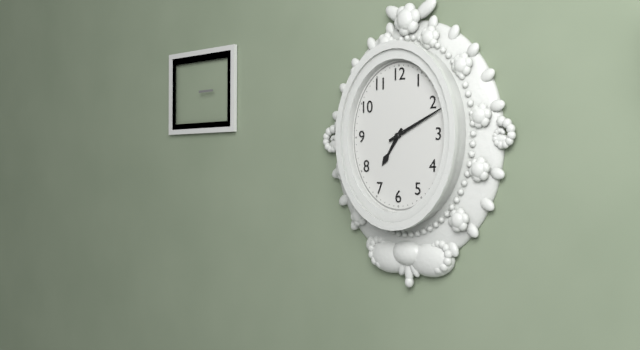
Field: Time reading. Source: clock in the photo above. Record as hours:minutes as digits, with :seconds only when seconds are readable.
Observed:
7:11
